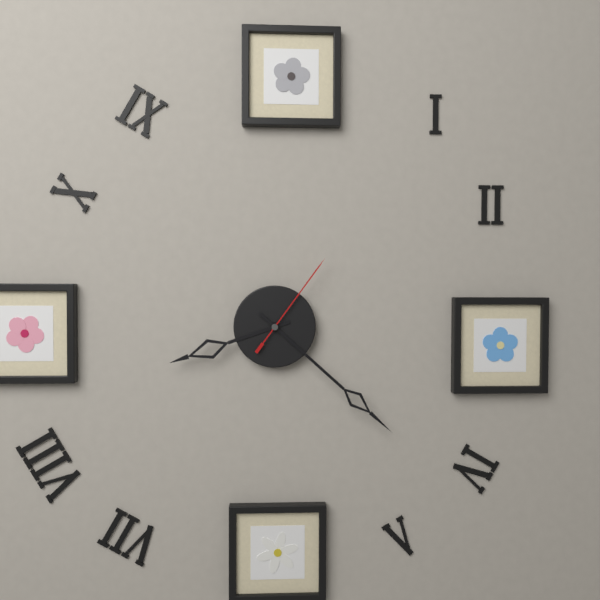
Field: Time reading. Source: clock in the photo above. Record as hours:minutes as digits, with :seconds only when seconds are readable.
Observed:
8:22:06
